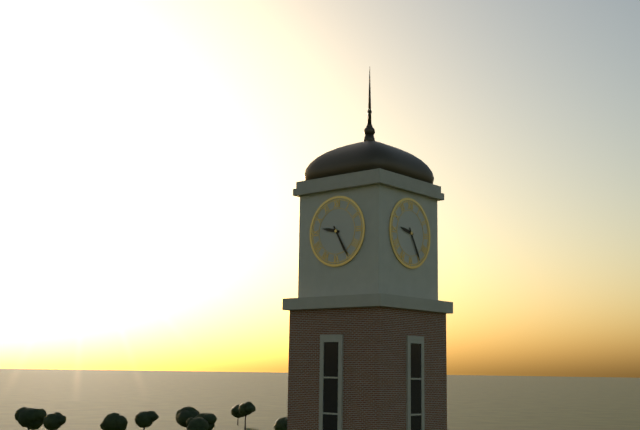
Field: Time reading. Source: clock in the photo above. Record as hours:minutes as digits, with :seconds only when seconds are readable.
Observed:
9:25
